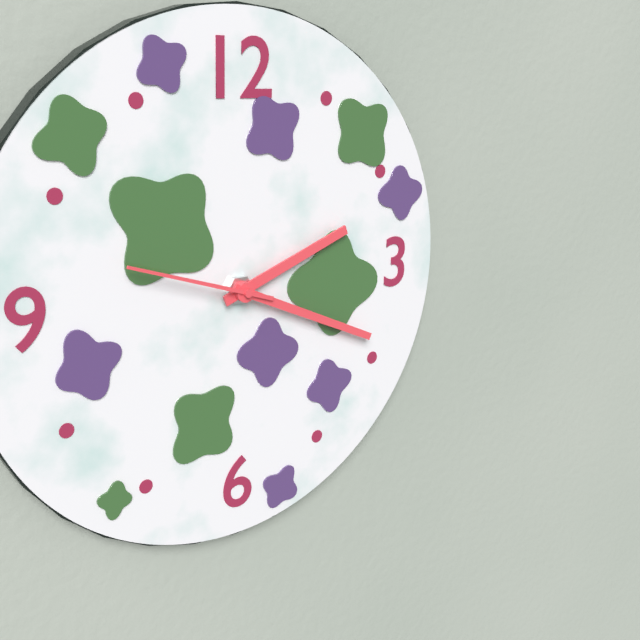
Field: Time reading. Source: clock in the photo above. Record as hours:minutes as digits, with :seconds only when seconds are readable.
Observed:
2:19:48
